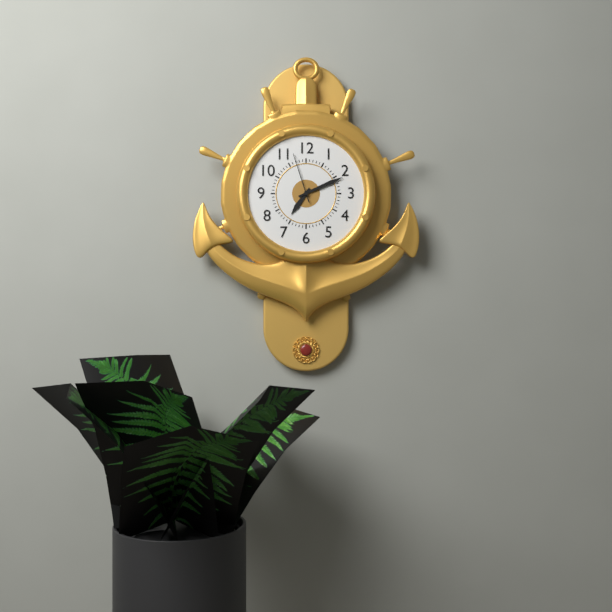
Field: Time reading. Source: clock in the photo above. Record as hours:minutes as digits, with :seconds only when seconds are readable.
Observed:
7:11:57
